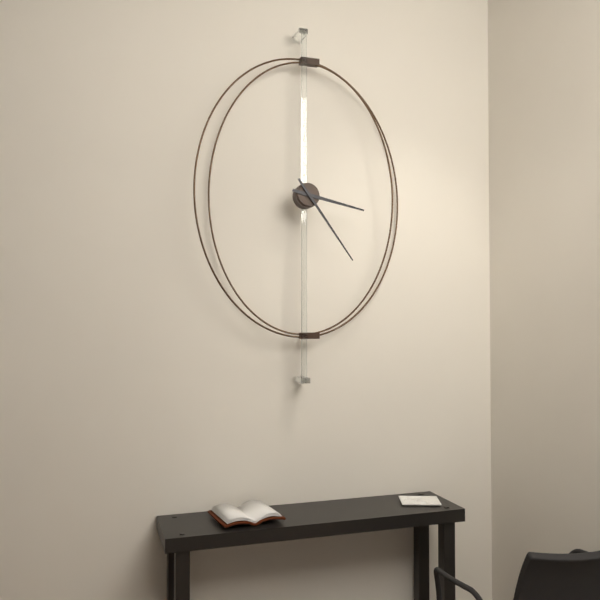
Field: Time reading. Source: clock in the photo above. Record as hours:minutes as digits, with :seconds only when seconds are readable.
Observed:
3:24
